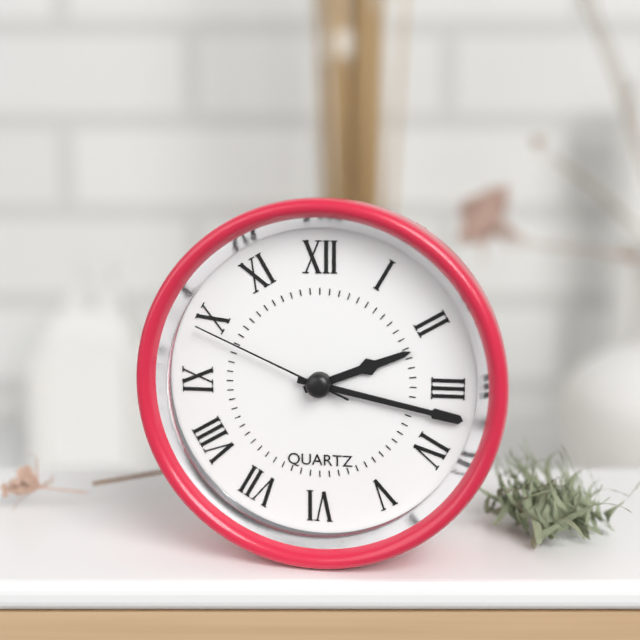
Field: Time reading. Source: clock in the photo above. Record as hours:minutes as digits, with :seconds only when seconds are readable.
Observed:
2:17:49
